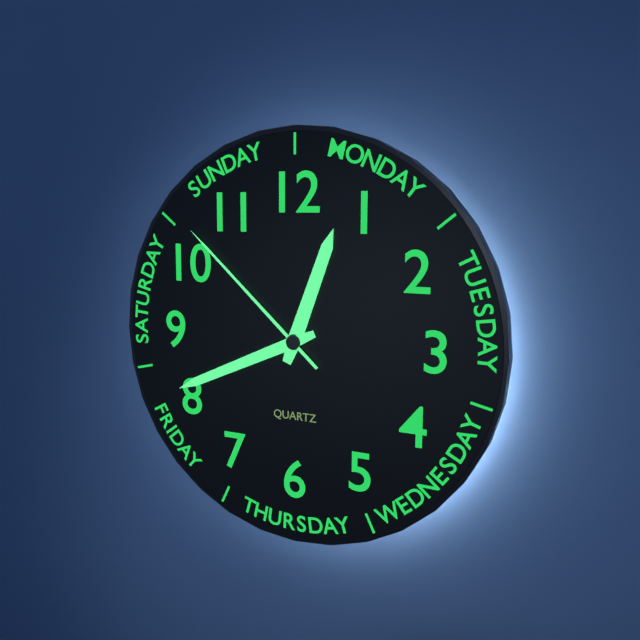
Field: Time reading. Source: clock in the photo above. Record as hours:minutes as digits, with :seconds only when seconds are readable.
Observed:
12:41:52
